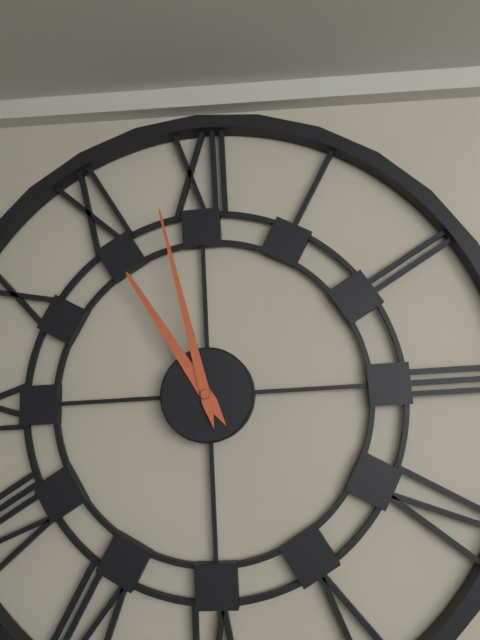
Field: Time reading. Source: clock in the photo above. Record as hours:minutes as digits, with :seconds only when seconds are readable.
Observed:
10:58
